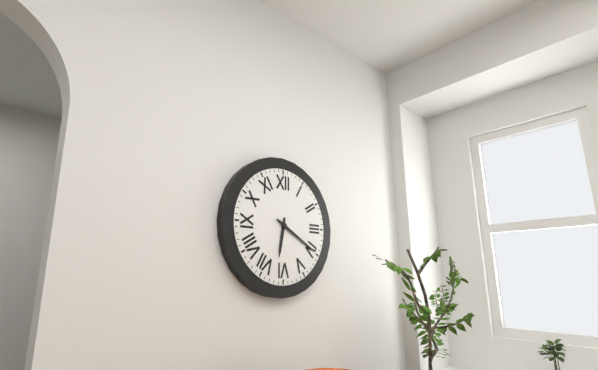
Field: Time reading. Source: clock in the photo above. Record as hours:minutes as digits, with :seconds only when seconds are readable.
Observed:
6:20
